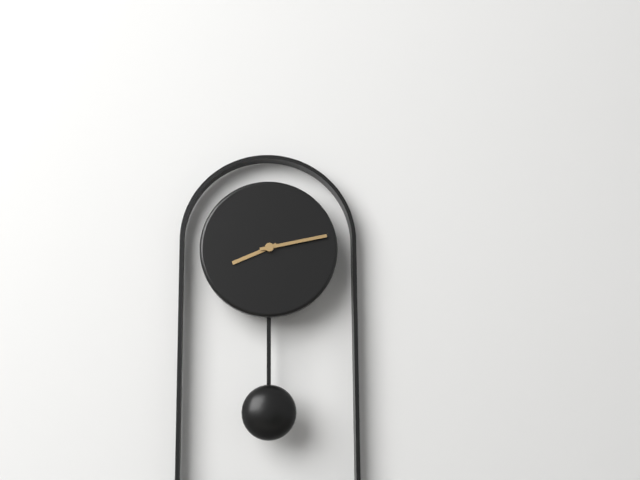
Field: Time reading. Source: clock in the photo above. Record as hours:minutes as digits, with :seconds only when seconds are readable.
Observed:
8:13
